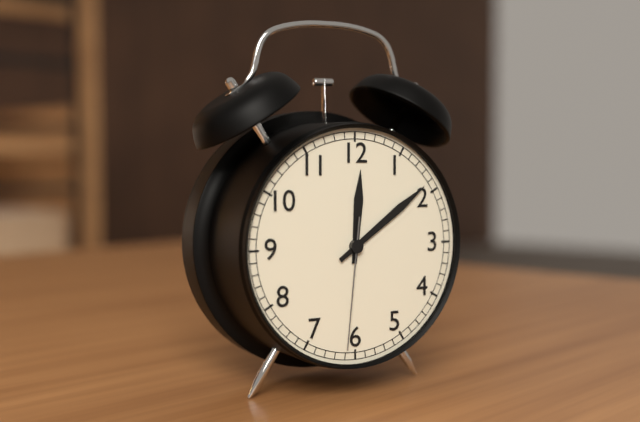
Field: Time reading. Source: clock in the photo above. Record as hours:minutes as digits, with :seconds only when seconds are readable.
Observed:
12:09:31
